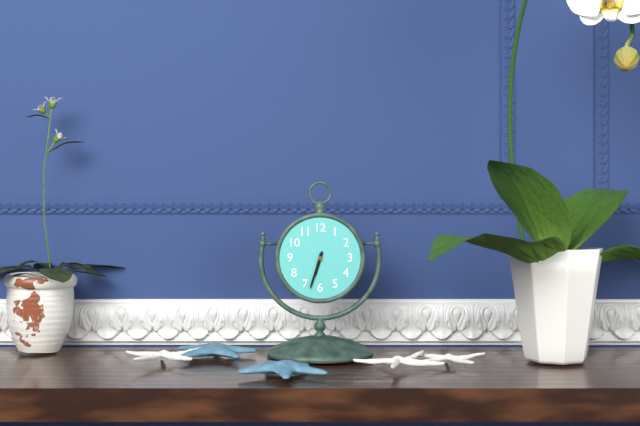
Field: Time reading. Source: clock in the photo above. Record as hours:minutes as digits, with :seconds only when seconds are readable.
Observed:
6:33
